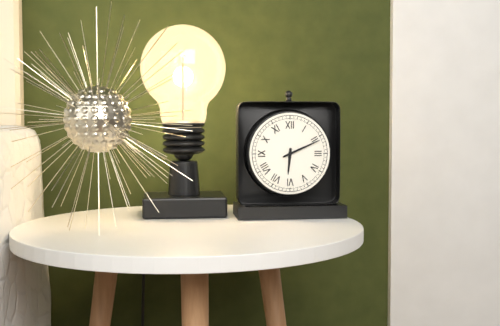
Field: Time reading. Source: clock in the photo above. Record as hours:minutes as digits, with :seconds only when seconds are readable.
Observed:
6:11
